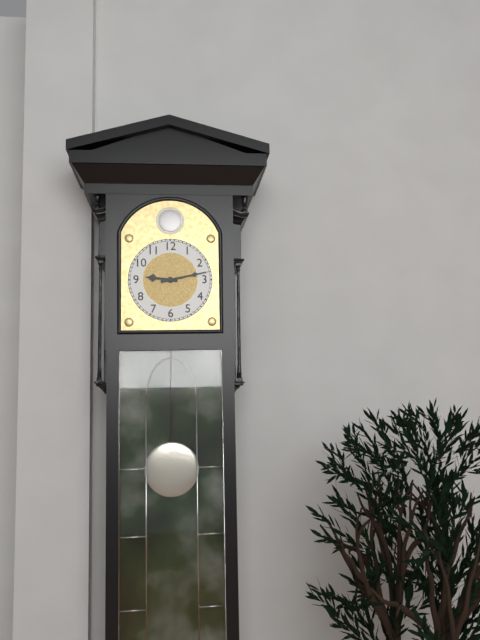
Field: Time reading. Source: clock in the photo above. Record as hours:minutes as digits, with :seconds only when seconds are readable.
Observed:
9:13
